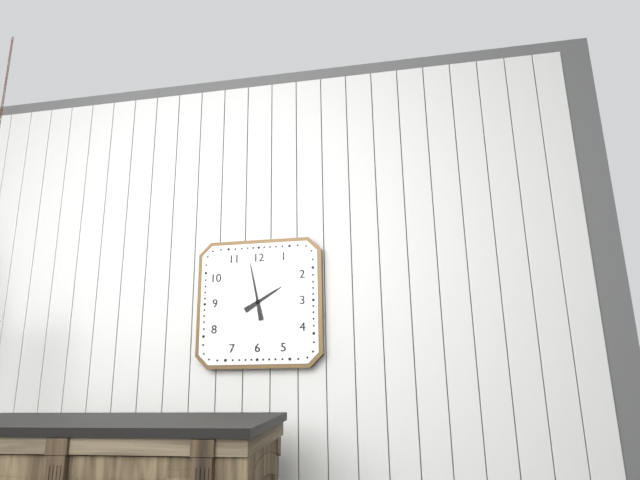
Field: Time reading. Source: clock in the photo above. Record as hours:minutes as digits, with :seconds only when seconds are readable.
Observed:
1:58
